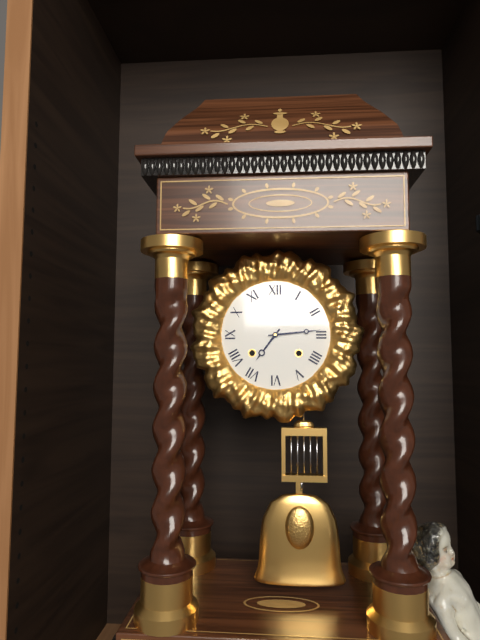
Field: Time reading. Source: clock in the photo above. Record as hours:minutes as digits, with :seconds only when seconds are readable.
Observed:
7:14
